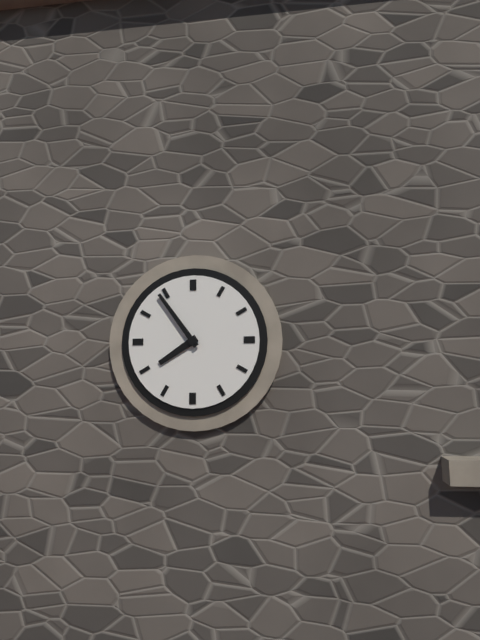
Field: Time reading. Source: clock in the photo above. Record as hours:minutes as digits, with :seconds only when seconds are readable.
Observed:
7:54
